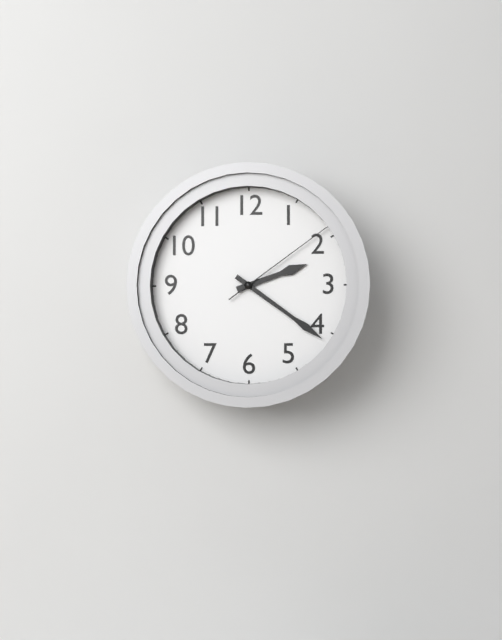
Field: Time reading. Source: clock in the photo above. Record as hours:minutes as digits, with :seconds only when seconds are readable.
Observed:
2:21:09
